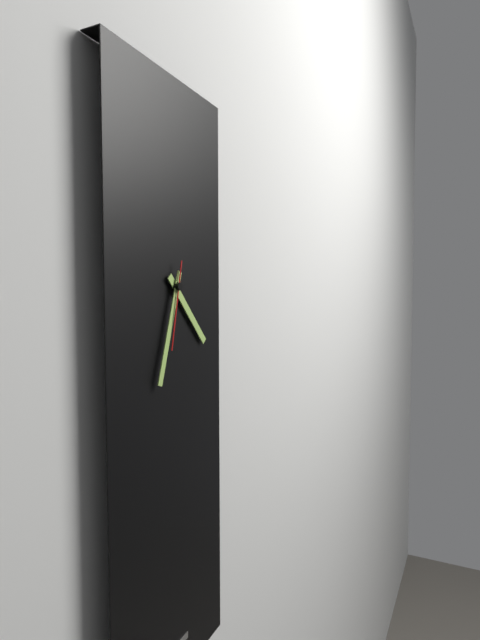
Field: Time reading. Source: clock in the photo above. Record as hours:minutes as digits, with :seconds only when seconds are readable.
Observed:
4:33:32
